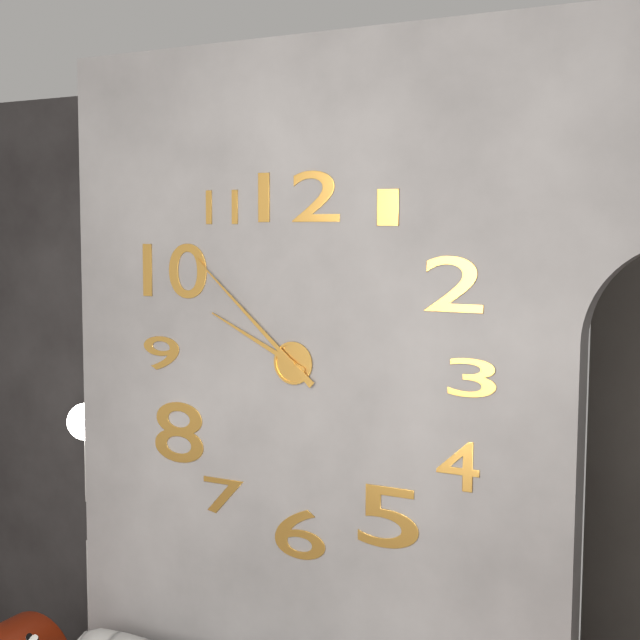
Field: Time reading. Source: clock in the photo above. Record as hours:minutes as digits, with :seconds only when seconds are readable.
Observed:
9:52
